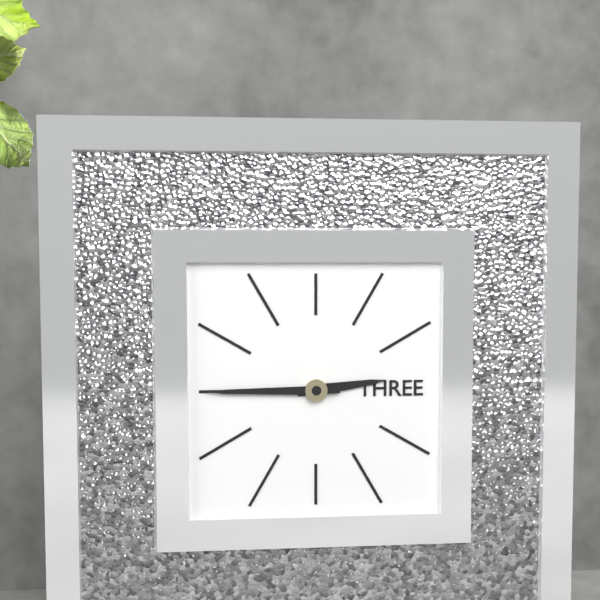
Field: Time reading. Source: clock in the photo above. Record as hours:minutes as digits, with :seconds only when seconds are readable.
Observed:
2:45
